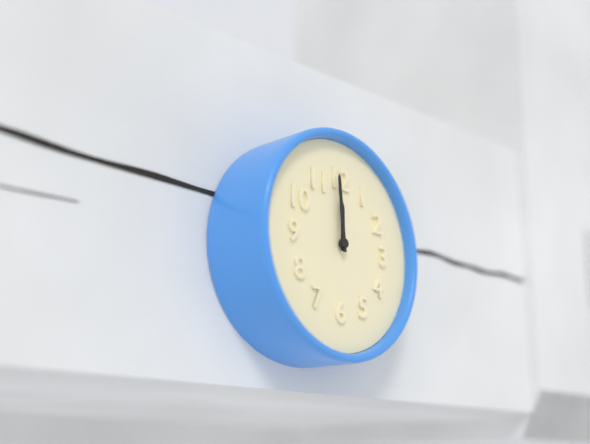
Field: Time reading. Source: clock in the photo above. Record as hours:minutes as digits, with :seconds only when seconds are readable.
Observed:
11:59
